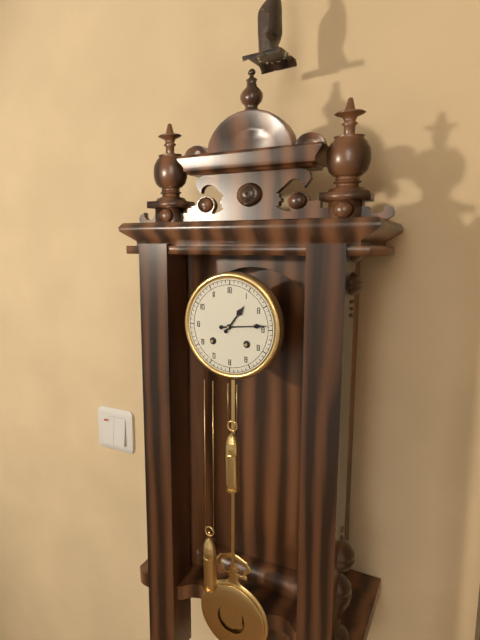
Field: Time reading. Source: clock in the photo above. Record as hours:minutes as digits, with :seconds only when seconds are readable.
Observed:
1:14
